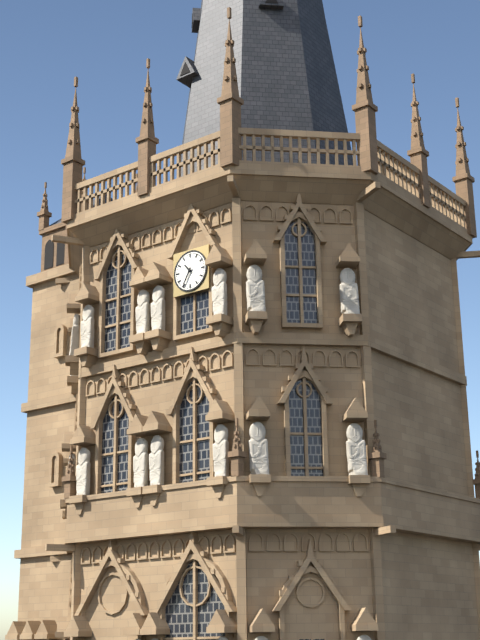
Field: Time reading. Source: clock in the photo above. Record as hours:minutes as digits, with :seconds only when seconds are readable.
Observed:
10:35
